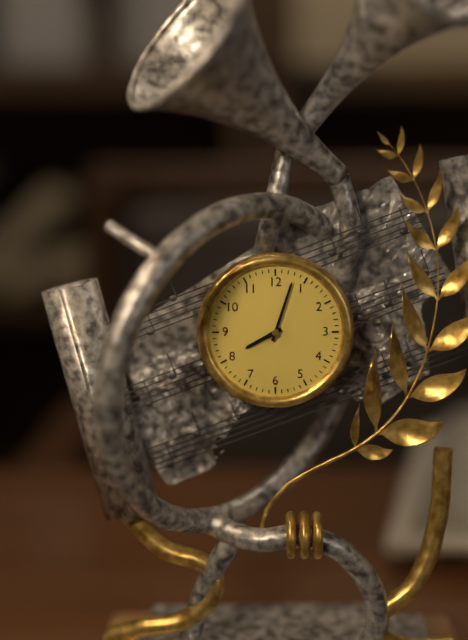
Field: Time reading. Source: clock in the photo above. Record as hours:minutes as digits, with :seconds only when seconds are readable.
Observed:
8:03
